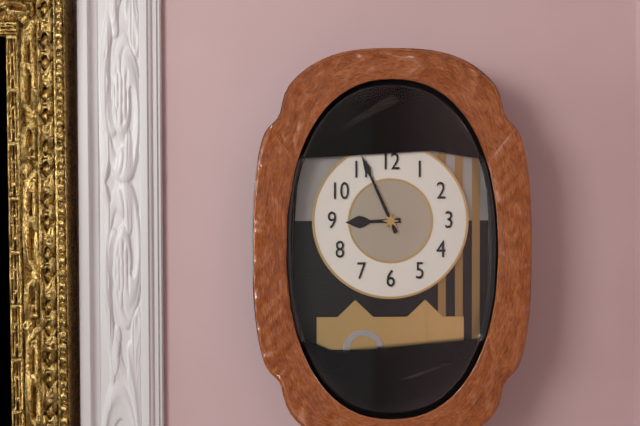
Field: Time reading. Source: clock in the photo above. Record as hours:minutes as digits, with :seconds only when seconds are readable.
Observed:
8:56
